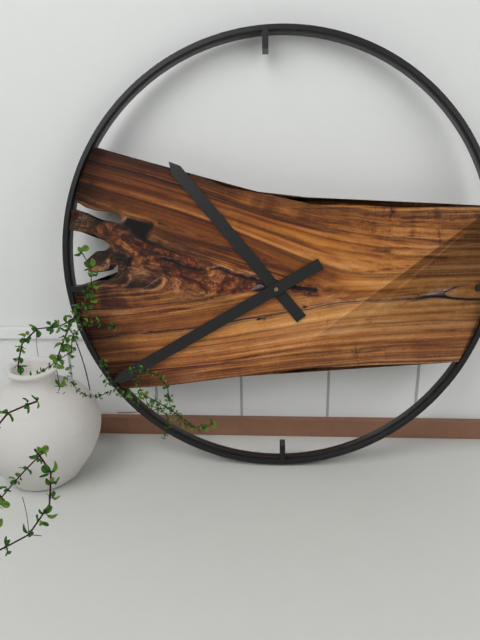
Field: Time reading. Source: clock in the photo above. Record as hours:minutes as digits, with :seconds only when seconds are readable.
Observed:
10:40
